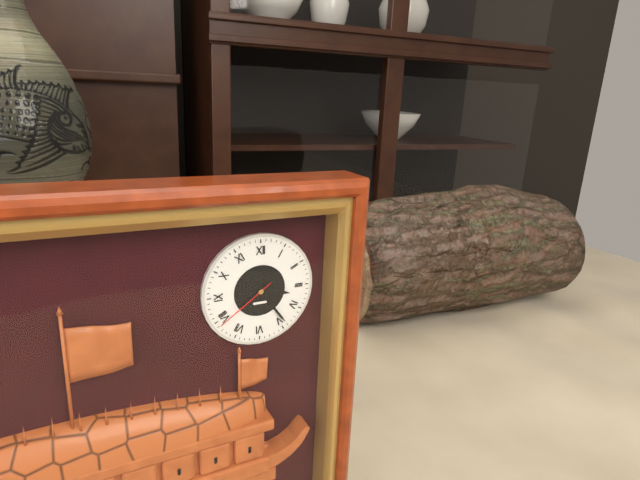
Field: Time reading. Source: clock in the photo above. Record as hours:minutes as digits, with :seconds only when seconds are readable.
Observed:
3:24:39
